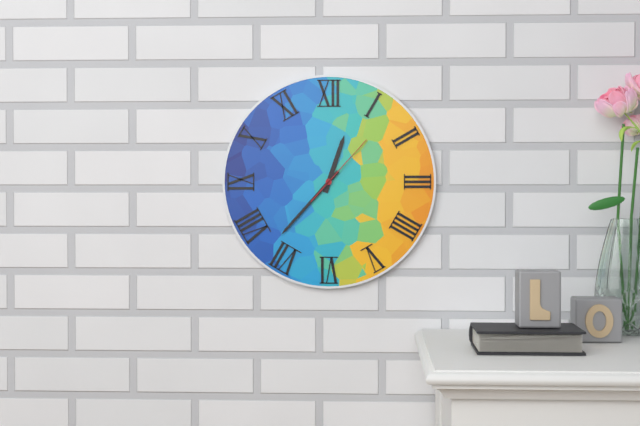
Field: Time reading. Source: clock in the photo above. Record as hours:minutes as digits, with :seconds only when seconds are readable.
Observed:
12:37:07
